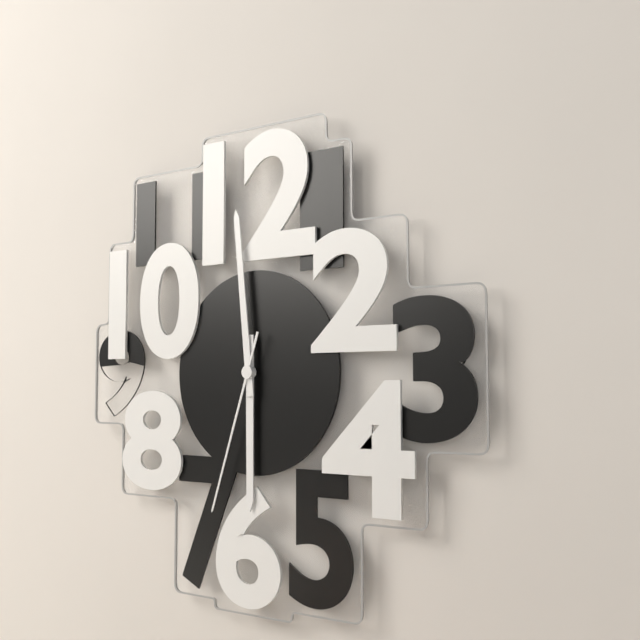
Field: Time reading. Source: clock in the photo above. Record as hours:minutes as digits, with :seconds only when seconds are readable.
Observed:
5:59:33
